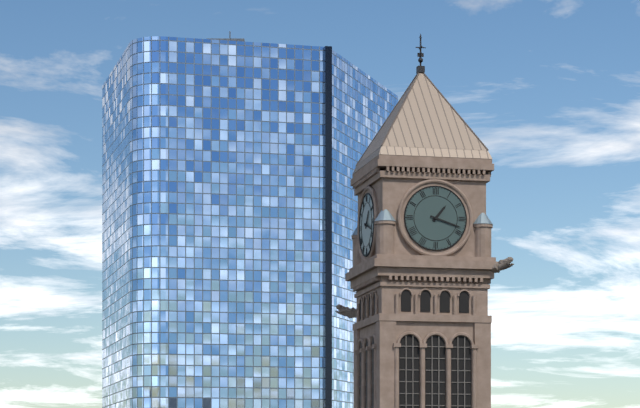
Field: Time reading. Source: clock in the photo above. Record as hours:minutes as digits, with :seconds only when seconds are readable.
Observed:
1:18
